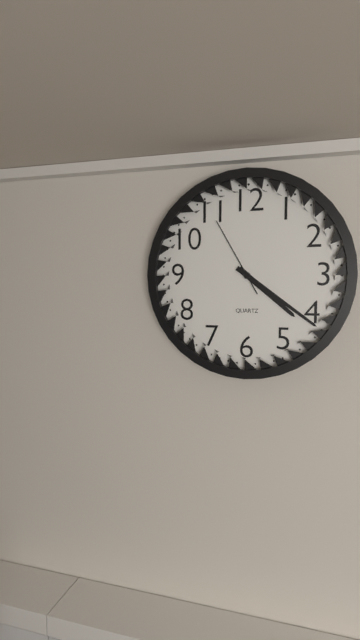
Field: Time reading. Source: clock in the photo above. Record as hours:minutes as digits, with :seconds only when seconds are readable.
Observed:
4:21:55
